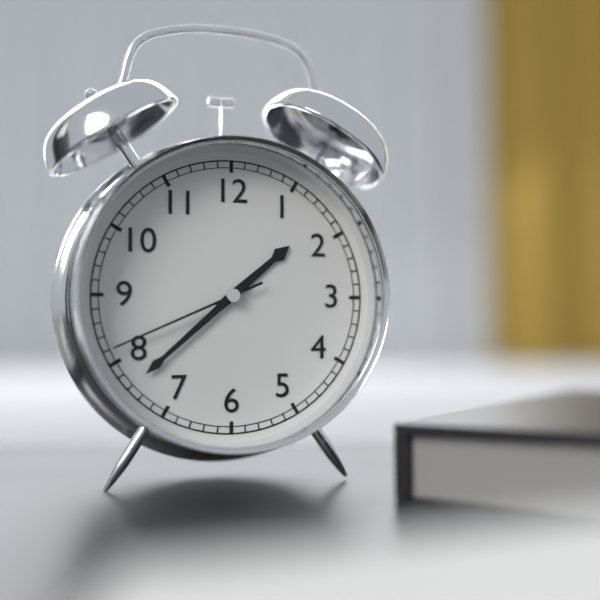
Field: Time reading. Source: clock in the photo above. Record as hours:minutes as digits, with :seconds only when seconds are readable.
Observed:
1:38:41
